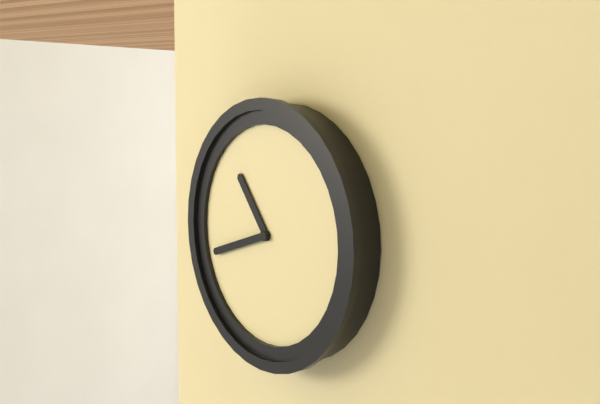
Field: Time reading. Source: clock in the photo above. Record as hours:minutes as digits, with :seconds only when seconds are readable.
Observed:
10:42
